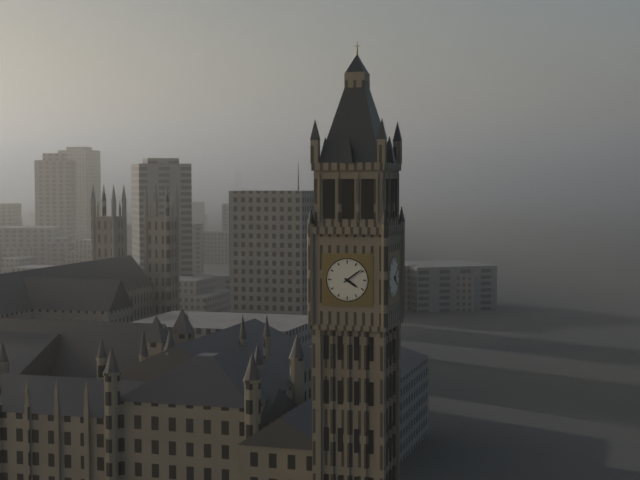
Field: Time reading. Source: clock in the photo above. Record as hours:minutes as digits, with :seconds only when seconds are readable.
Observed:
4:09
